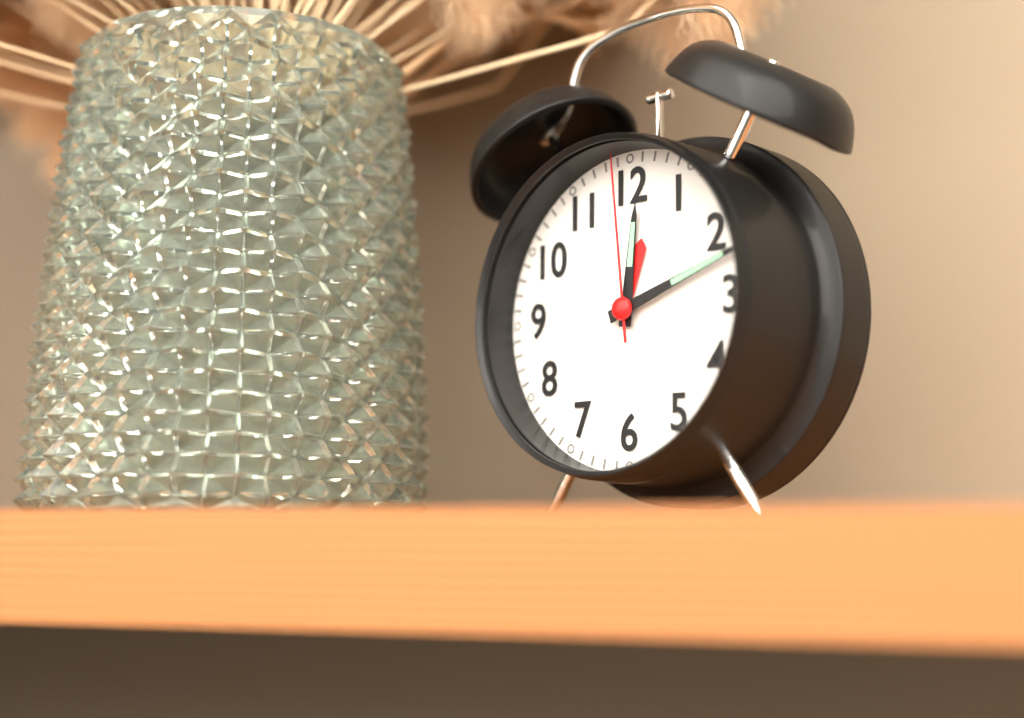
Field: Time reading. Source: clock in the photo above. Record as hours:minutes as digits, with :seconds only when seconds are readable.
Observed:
12:12:59
